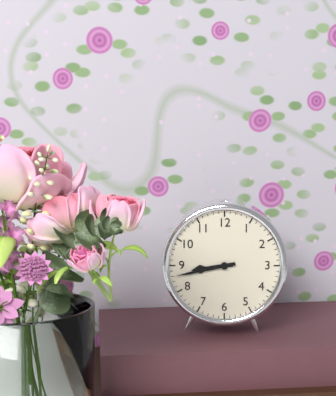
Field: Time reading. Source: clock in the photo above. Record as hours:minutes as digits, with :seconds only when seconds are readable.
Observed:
8:43
